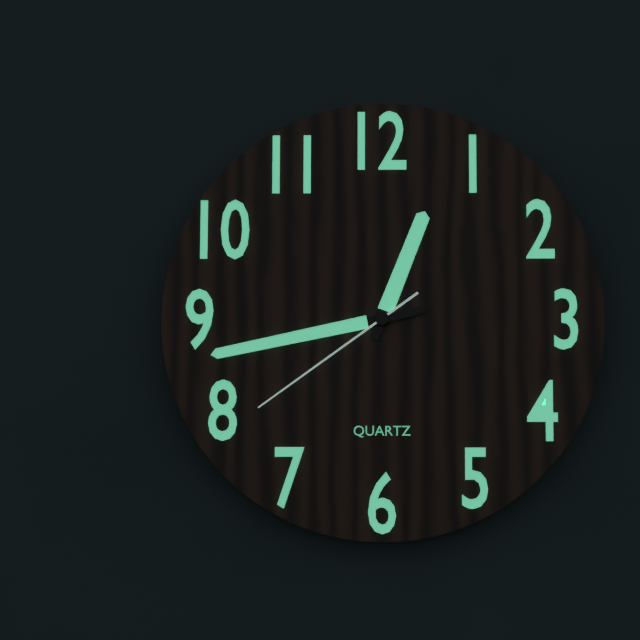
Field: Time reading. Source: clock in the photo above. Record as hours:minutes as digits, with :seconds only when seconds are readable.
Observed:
12:43:39
